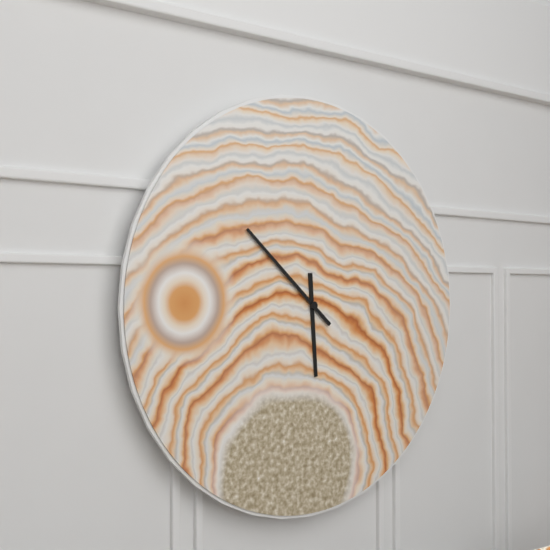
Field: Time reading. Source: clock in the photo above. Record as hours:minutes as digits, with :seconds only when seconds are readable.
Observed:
5:52
